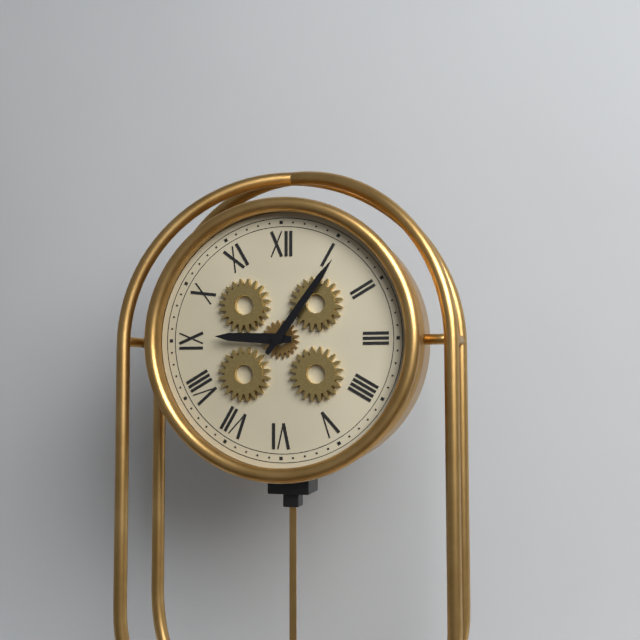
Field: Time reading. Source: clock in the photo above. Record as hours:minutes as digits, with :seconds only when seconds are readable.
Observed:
9:06
